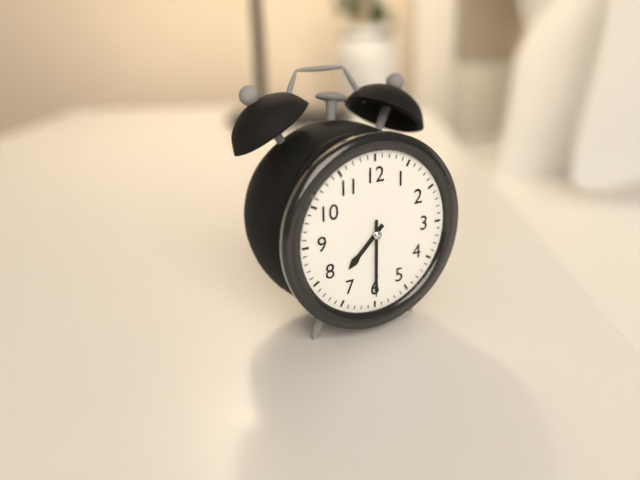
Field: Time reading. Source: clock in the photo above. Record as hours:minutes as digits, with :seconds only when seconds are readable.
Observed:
7:30
